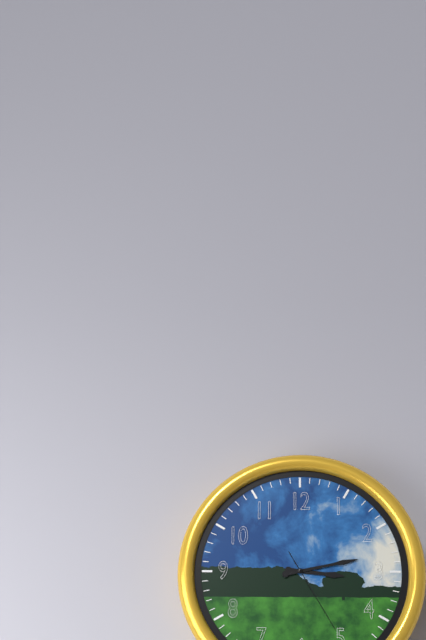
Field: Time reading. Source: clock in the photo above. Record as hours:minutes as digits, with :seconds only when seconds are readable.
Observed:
3:13:25
